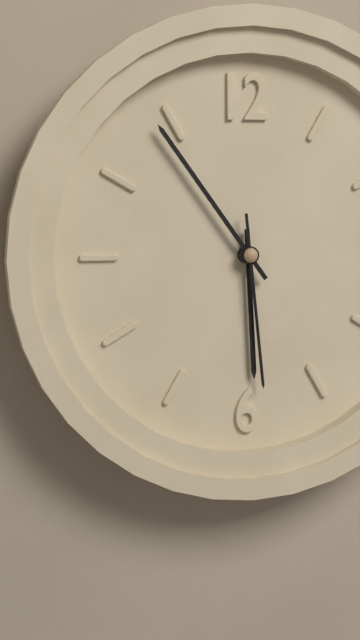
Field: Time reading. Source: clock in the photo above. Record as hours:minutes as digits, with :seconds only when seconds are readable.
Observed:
5:54:29
